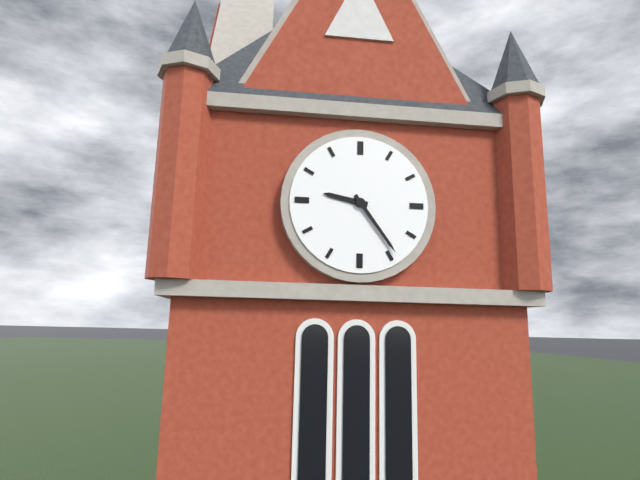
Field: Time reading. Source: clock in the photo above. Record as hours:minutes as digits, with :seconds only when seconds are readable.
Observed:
9:24
